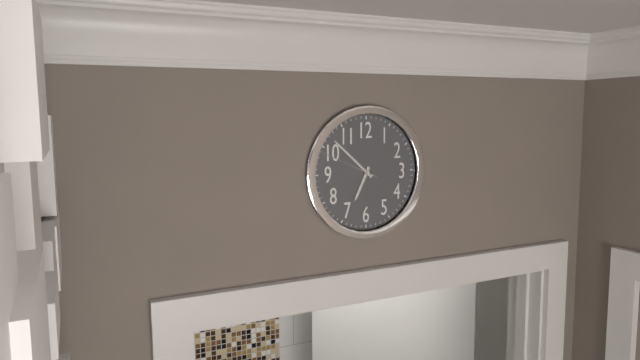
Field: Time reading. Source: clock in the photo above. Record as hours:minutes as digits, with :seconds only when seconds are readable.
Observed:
6:52:49
